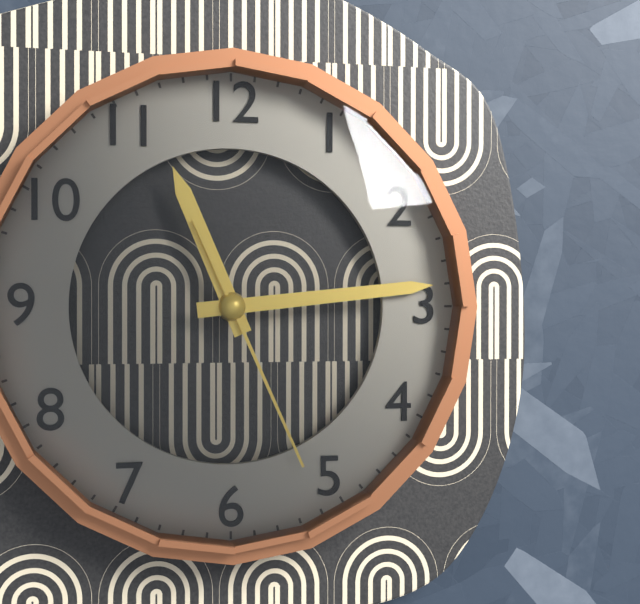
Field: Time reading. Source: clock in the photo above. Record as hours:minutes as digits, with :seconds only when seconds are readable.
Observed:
11:14:26
